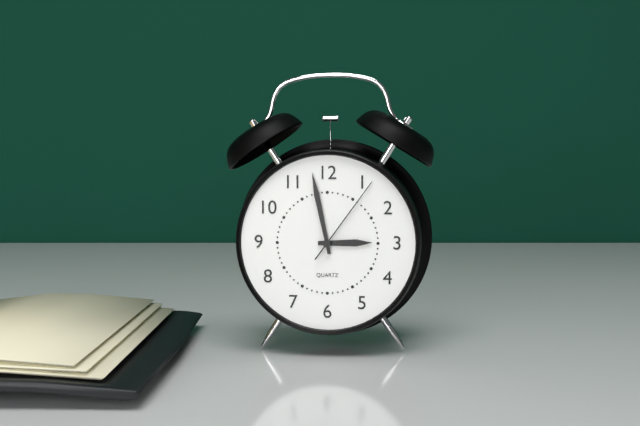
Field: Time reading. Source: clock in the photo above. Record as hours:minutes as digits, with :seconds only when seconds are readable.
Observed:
2:58:06
